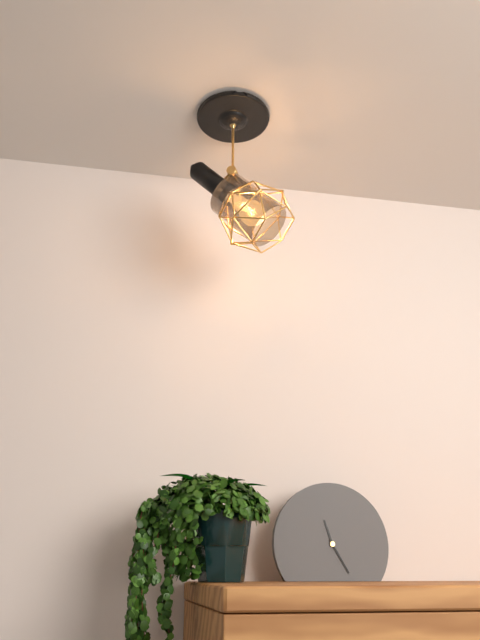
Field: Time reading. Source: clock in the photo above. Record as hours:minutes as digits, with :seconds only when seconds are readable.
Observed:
11:25
